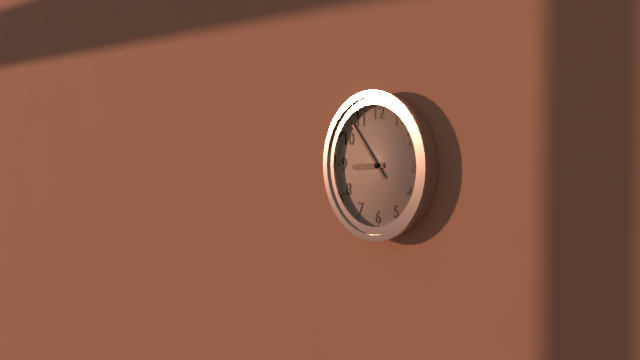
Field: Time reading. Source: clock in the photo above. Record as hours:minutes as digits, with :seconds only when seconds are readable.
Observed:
8:53
